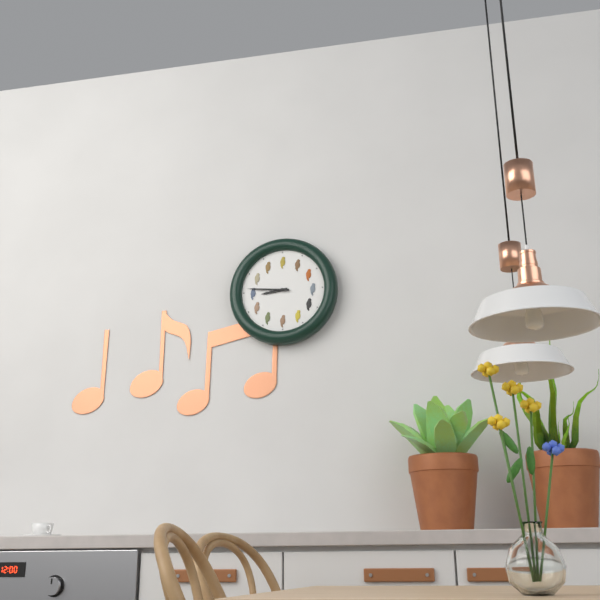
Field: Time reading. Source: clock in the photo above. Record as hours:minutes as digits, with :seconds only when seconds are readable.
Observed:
8:46
